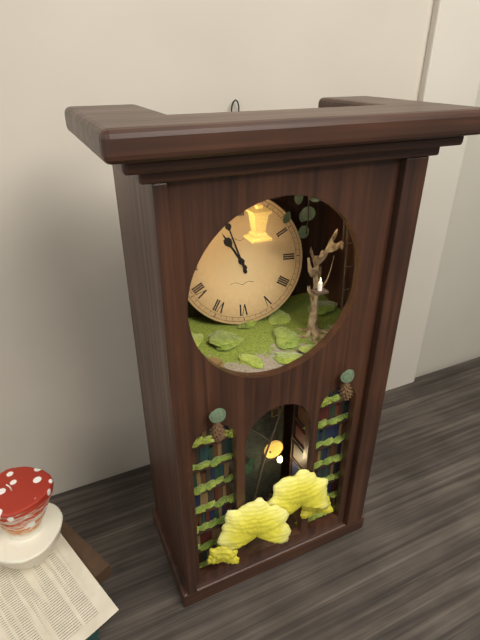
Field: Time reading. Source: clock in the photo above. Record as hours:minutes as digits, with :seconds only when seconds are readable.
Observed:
10:57
